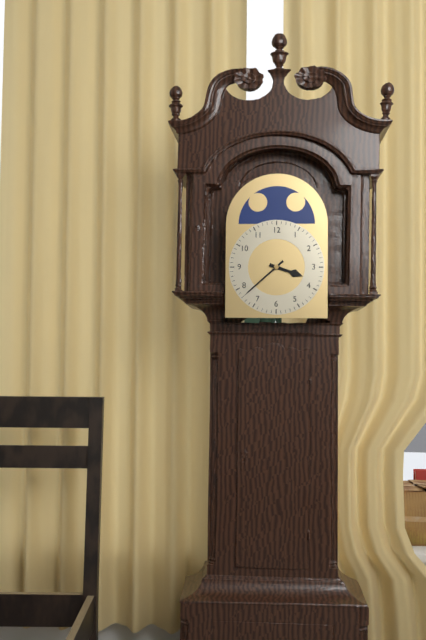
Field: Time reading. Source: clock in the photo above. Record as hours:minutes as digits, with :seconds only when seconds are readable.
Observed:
3:38
